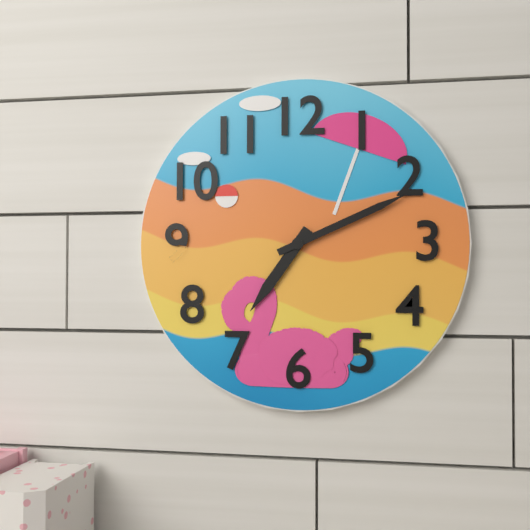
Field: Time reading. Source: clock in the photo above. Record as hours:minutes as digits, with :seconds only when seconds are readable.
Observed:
7:11
